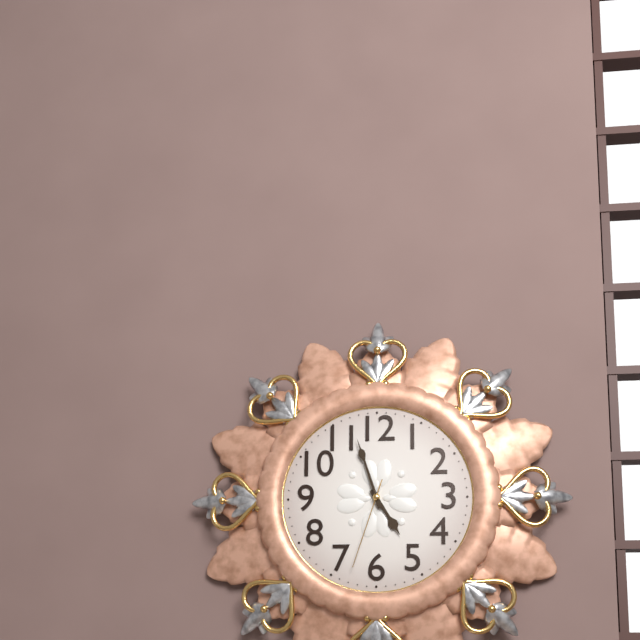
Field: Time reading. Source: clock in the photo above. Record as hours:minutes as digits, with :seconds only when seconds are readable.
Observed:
4:57:33
